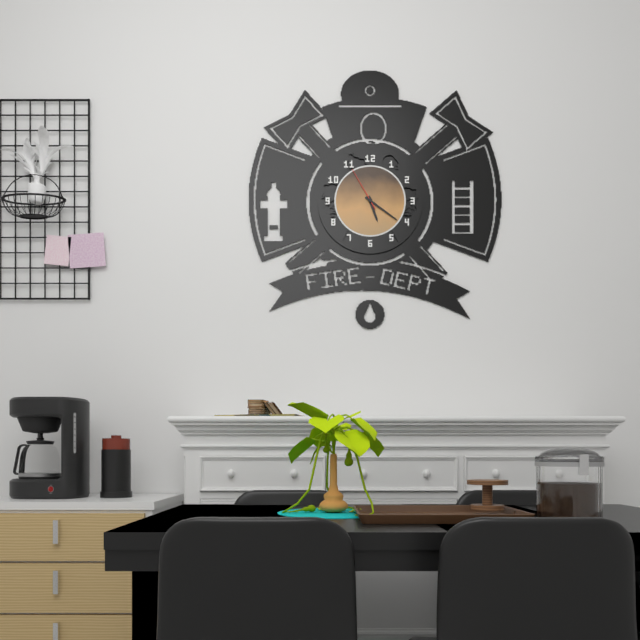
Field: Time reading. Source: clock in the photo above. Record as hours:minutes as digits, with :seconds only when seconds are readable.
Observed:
5:21
